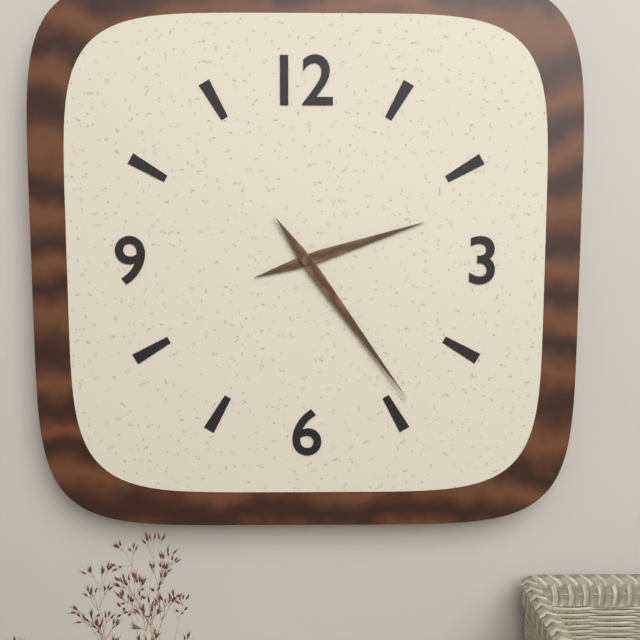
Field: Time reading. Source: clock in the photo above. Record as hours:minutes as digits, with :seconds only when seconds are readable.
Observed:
2:24
